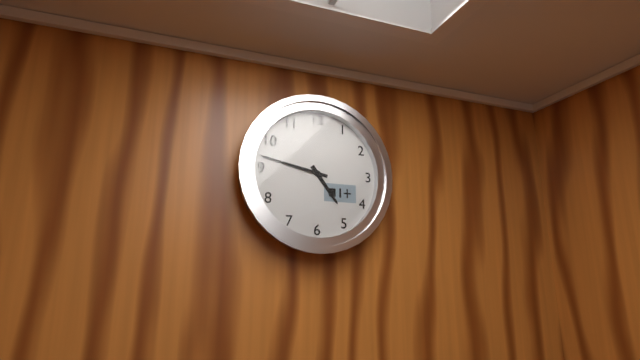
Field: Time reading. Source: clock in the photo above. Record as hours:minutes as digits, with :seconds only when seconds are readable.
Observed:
4:47
